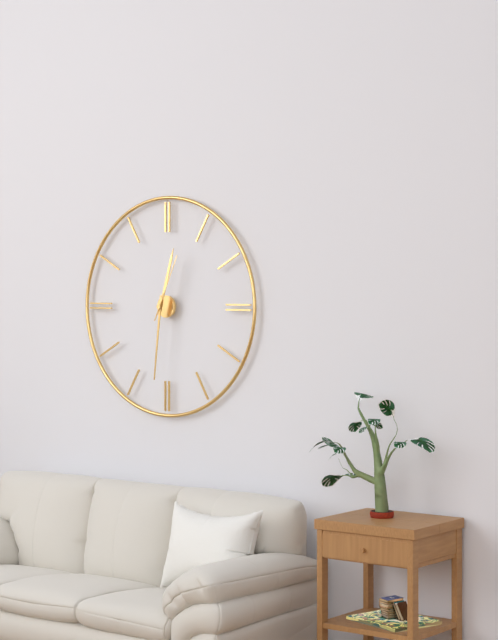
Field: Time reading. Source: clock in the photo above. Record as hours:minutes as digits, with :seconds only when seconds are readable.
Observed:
12:31:04
